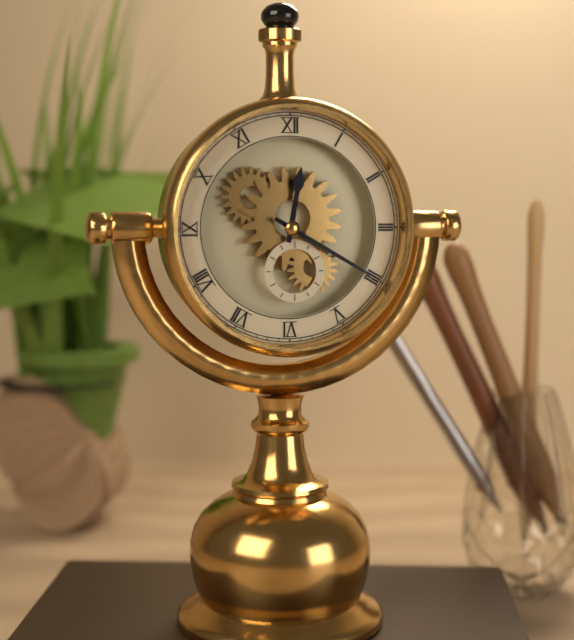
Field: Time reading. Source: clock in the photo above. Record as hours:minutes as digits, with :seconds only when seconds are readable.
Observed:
12:20
